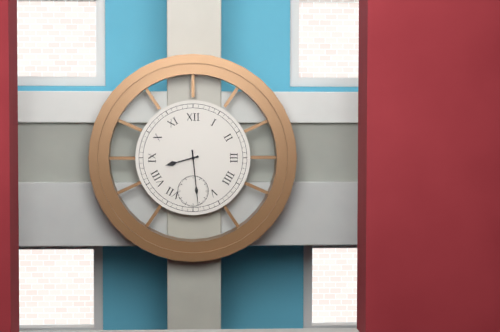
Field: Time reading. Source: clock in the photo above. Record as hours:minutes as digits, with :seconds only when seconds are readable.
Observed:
8:29
